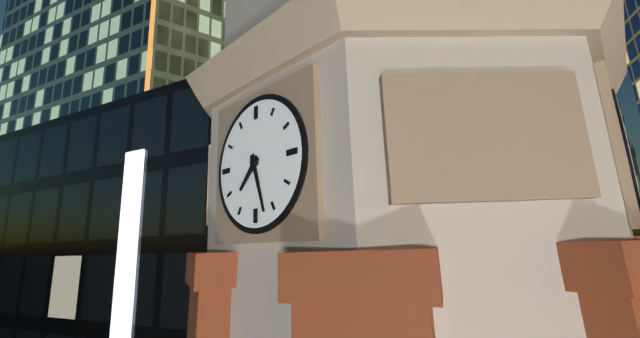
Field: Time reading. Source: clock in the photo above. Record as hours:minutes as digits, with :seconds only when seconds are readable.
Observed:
7:27
